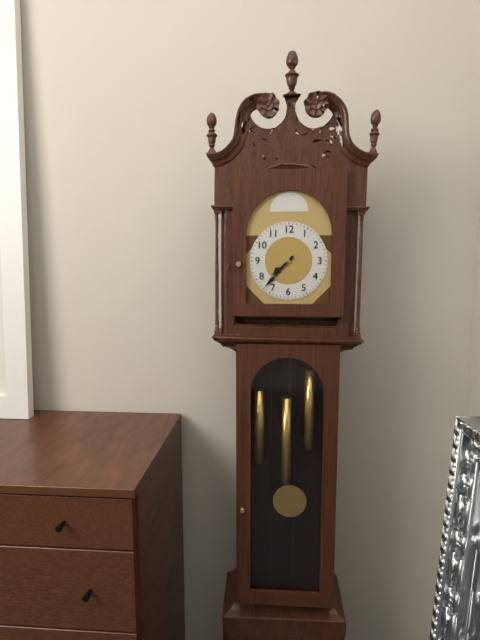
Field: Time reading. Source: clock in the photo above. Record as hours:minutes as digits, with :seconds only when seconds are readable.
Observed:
7:37
